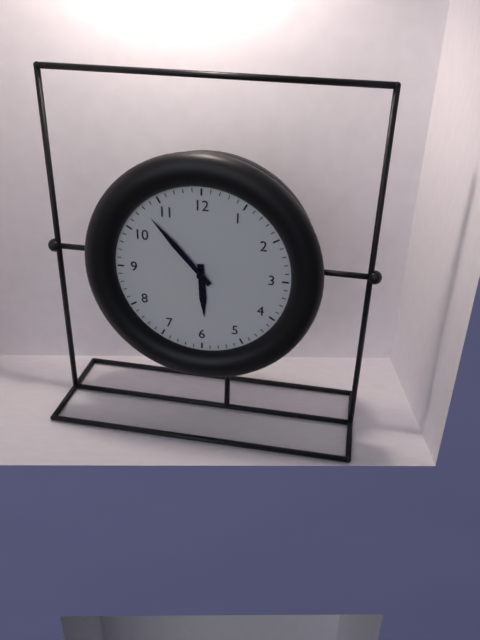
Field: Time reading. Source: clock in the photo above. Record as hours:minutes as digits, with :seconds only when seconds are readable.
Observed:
5:53
